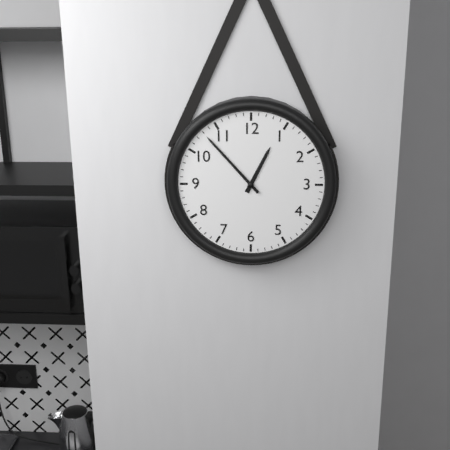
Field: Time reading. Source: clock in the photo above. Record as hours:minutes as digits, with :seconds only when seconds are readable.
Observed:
12:53
